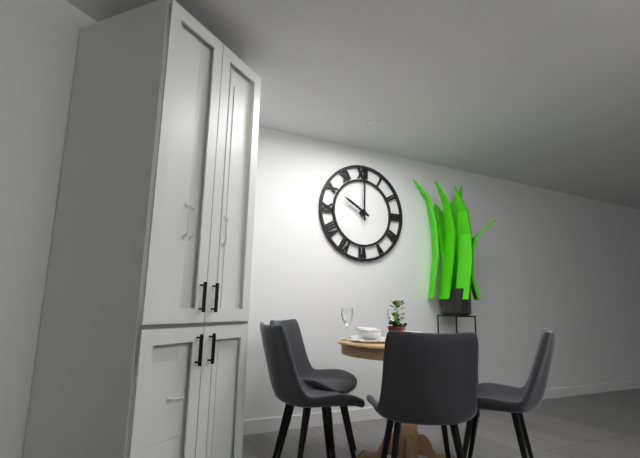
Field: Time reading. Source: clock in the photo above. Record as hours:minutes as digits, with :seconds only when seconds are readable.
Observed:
10:00
